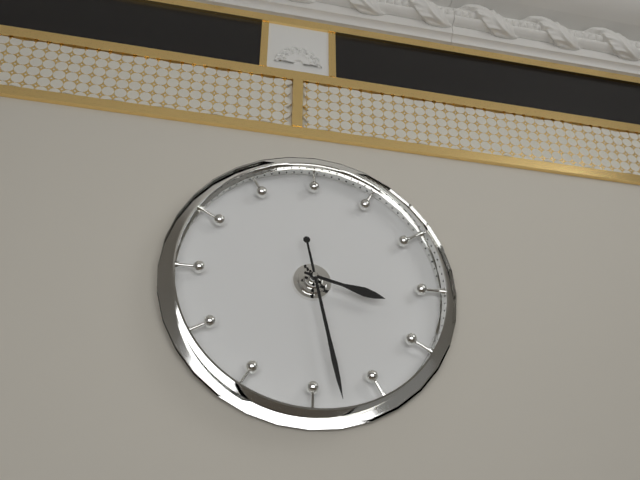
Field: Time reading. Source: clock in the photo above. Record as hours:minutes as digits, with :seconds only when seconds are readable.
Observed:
3:28
